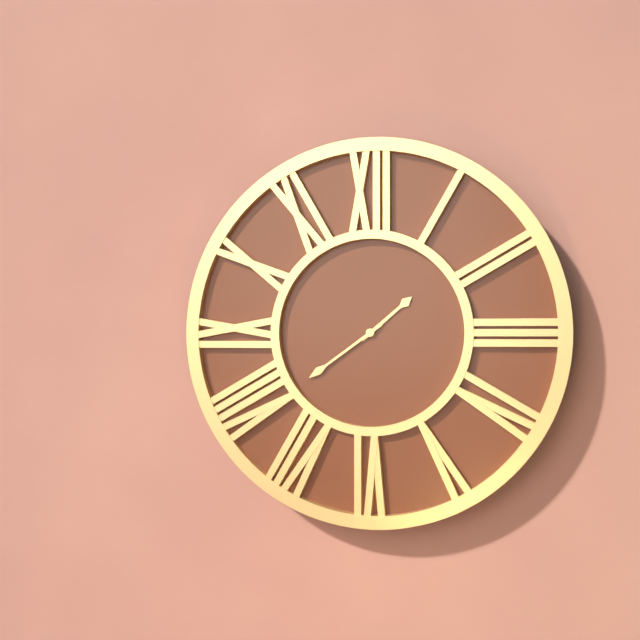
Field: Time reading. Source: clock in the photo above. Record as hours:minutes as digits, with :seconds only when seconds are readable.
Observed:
1:39
